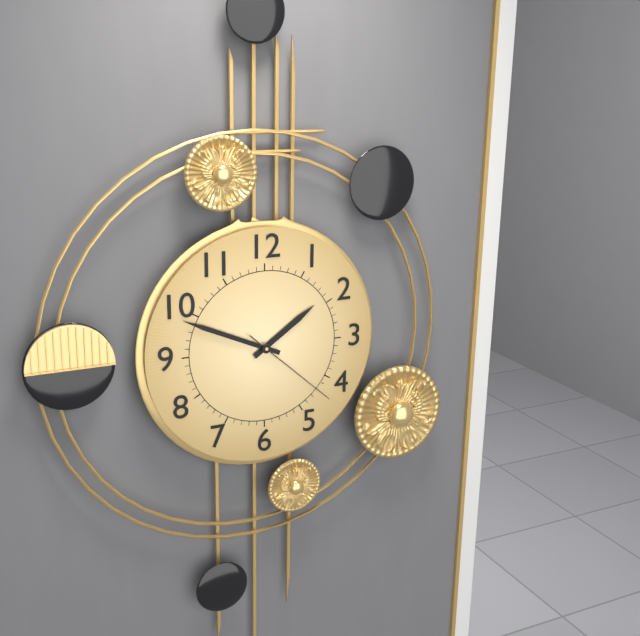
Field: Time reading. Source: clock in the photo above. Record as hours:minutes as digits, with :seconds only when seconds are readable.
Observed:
1:49:22
